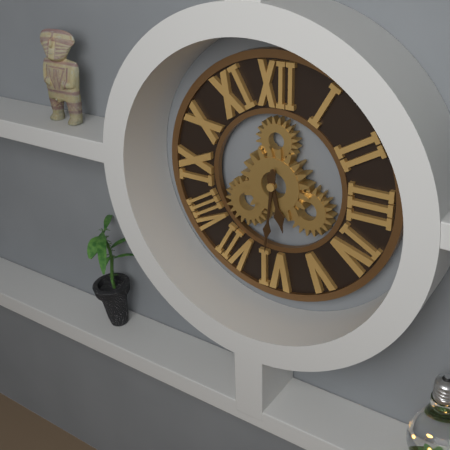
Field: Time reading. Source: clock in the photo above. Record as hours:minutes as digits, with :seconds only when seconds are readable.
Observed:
5:31
